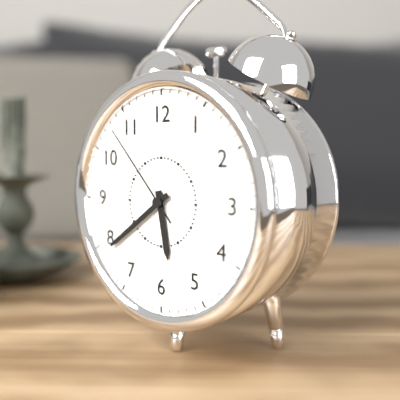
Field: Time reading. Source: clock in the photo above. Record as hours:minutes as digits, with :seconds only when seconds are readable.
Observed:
5:39:53
